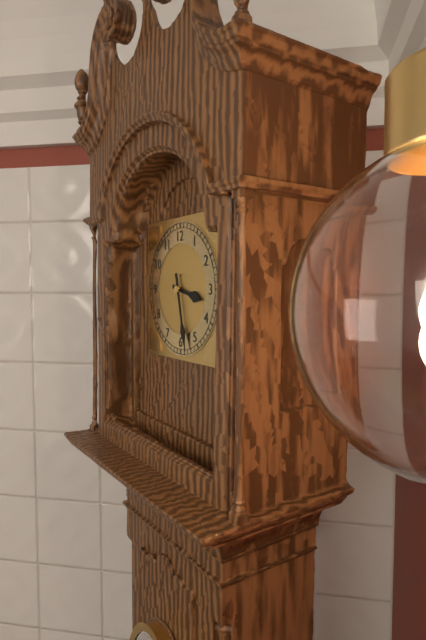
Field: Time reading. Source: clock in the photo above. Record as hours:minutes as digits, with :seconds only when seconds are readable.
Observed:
3:28
